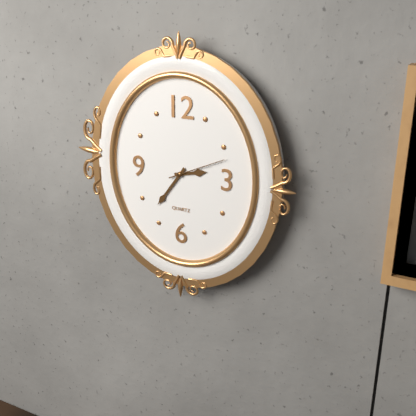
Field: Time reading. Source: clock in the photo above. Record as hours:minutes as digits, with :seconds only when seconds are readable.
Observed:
2:36
